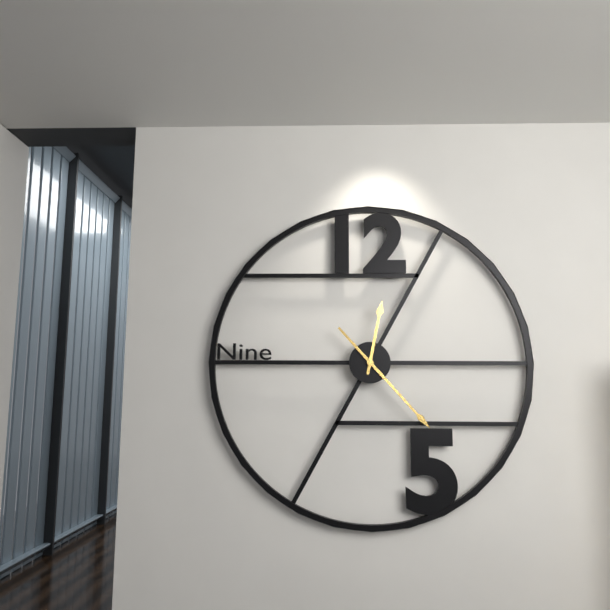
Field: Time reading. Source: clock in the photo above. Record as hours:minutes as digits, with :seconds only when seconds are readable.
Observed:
12:23
